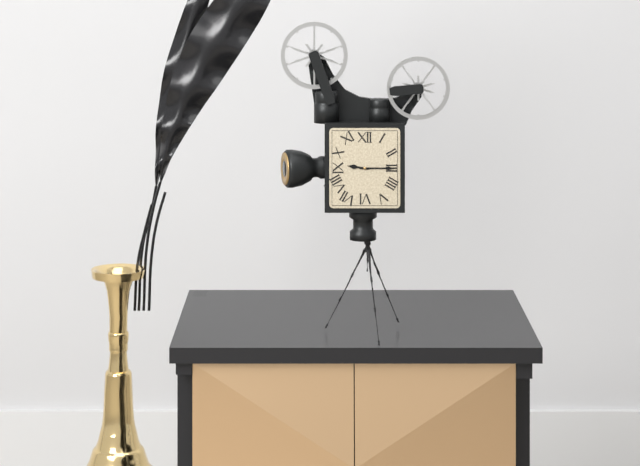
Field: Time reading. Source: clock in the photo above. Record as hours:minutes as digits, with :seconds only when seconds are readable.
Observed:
9:15
